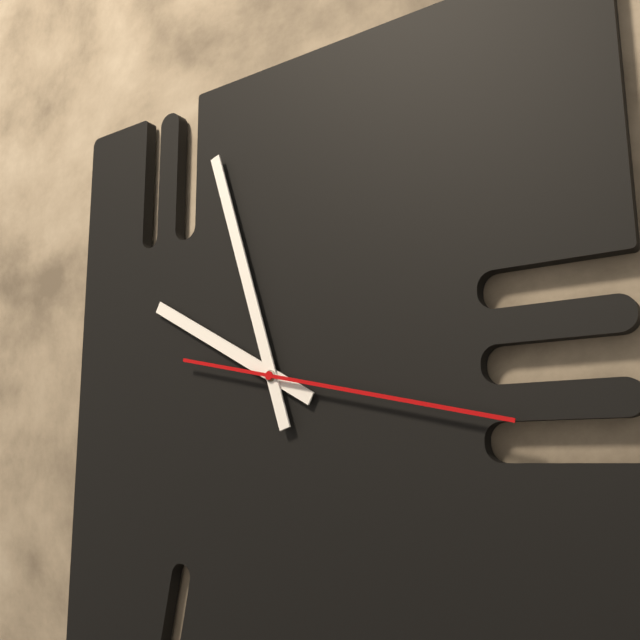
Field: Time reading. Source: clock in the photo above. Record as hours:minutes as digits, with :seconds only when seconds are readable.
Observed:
9:57:17
